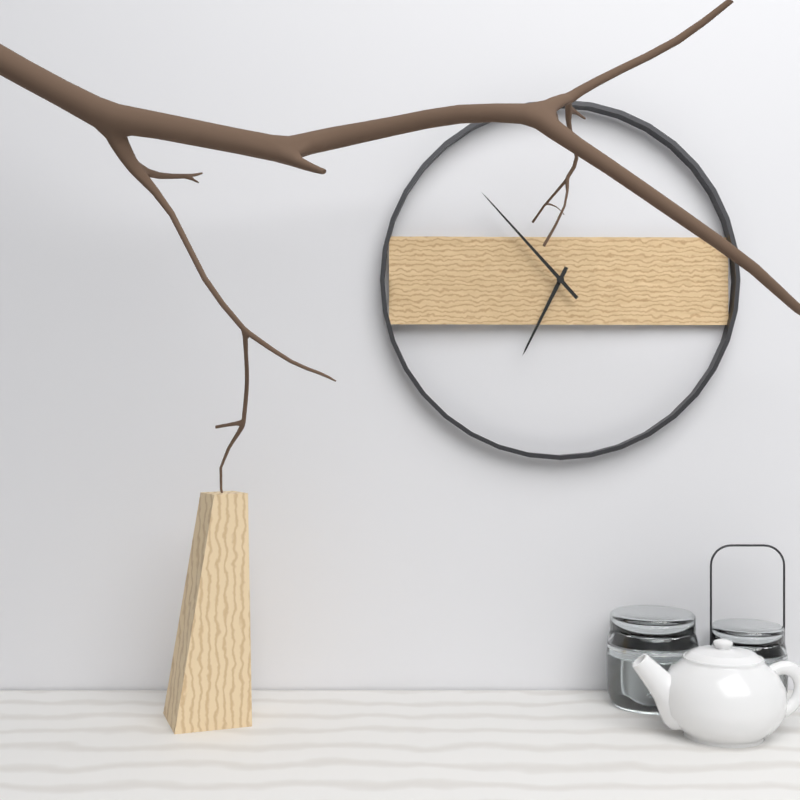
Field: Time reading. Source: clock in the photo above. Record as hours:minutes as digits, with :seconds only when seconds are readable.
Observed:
6:53
